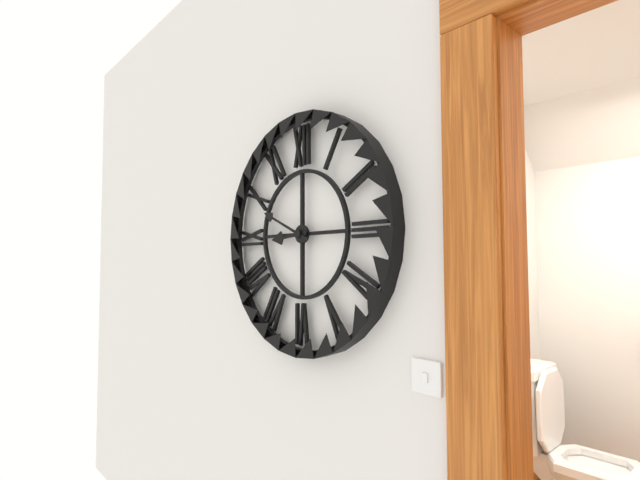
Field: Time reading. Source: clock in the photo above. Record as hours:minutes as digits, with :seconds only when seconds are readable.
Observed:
8:49
